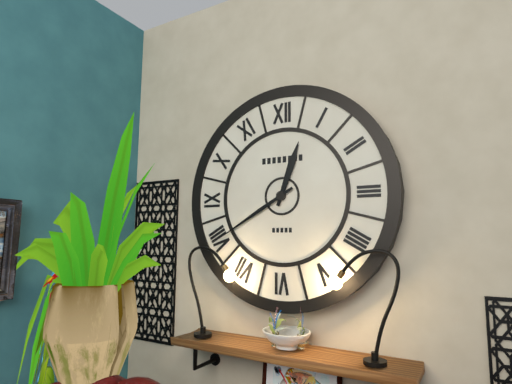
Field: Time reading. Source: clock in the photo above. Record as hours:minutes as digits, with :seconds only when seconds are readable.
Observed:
12:40
